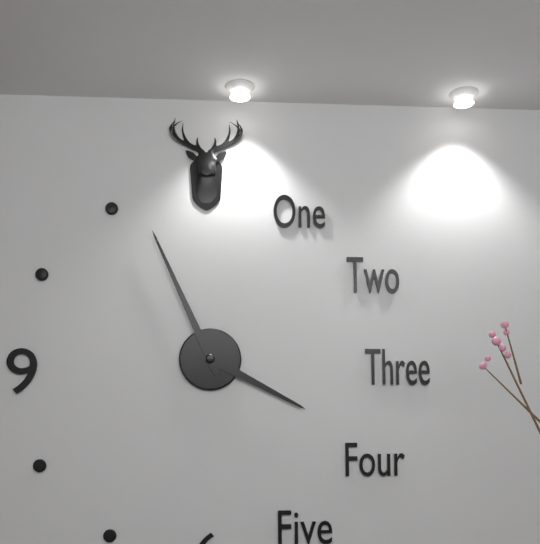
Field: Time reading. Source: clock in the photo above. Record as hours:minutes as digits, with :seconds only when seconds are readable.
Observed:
3:56
